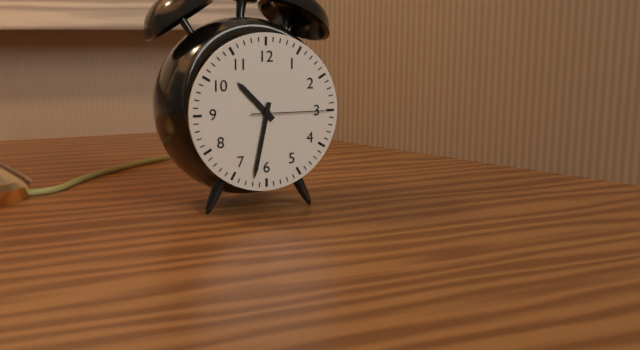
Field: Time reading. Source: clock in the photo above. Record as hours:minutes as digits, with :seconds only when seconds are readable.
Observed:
10:32:15
